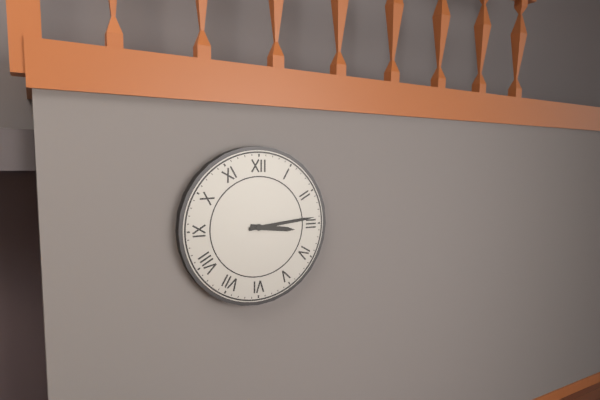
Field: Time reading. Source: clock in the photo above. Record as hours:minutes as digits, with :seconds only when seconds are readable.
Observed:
3:14
